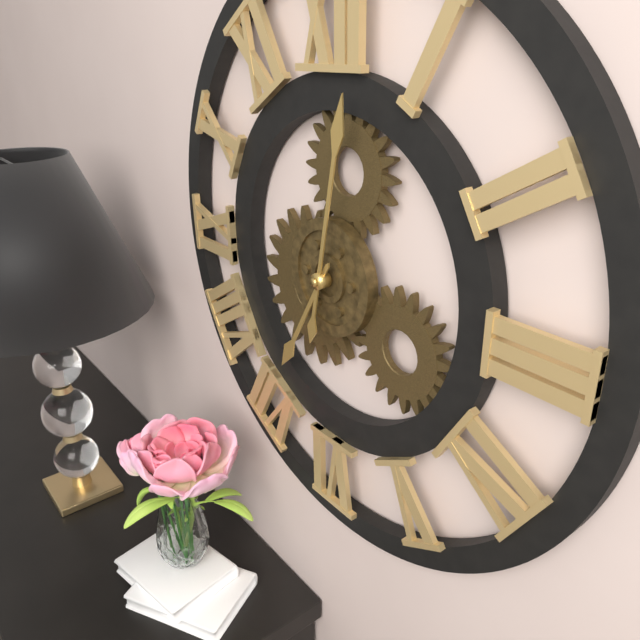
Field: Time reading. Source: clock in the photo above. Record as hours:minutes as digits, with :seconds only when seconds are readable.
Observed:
7:02
